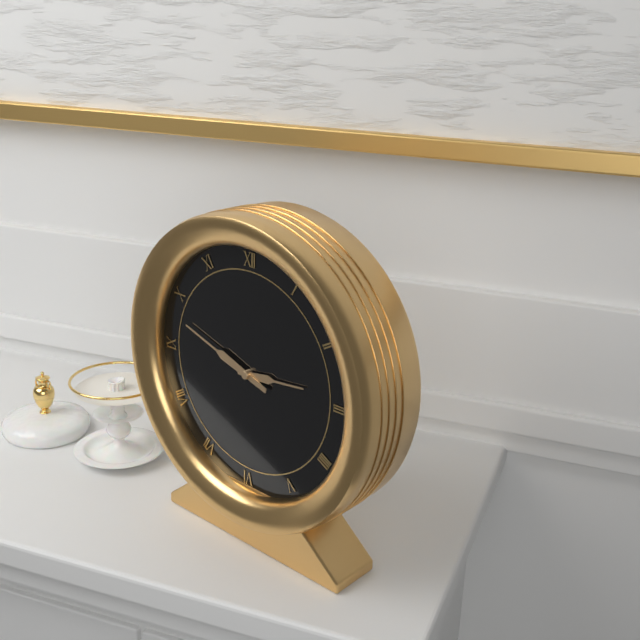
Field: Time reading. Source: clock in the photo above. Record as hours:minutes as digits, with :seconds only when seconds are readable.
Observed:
2:48
